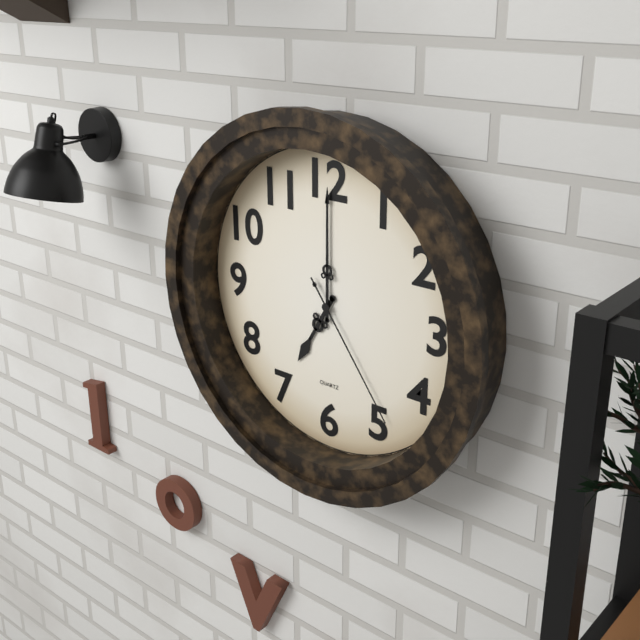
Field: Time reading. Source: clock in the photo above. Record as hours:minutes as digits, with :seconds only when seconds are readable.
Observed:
7:00:24
